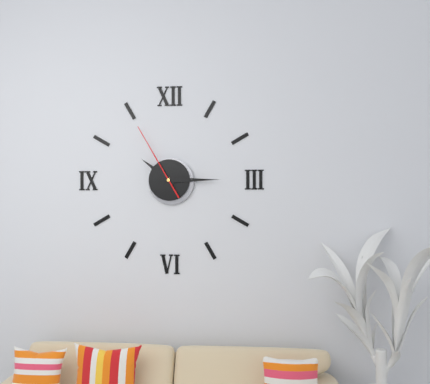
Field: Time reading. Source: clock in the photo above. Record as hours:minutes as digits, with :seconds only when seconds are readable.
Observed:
10:15:55
